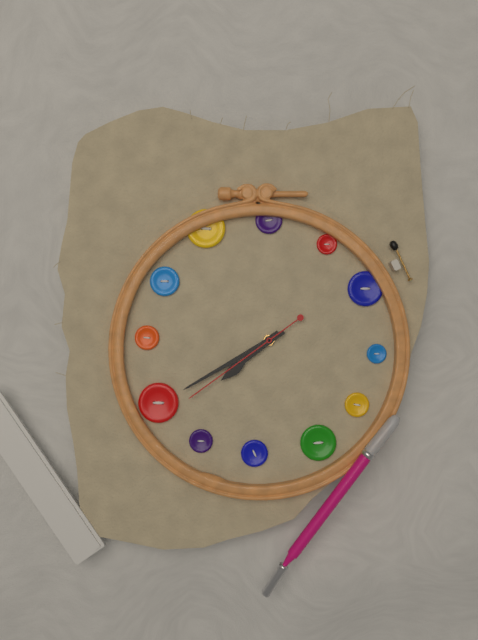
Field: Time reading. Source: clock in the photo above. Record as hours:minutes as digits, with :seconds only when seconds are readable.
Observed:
7:40:39
